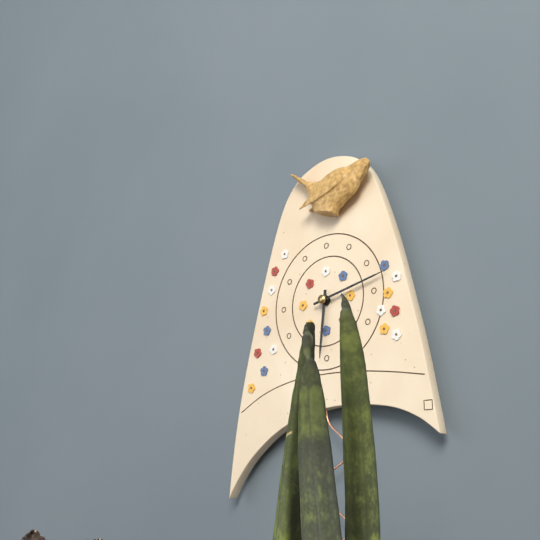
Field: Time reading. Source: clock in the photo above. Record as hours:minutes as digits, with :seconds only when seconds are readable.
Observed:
6:13
